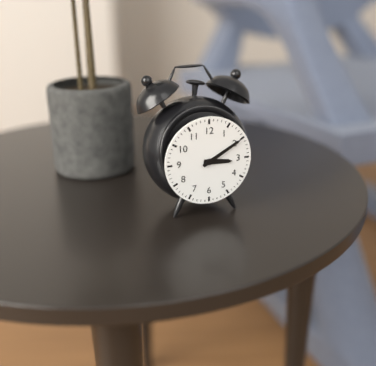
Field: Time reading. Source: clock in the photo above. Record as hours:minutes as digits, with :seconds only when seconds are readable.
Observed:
3:10
